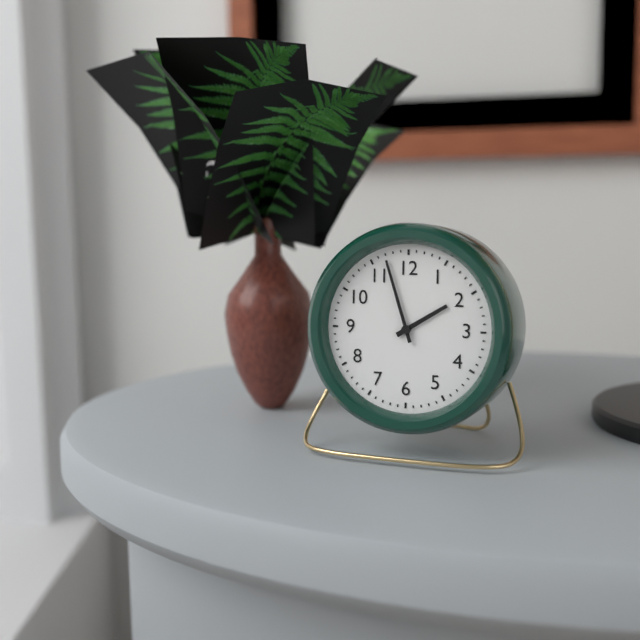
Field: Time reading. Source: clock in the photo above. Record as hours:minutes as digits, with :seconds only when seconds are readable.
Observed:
1:57
